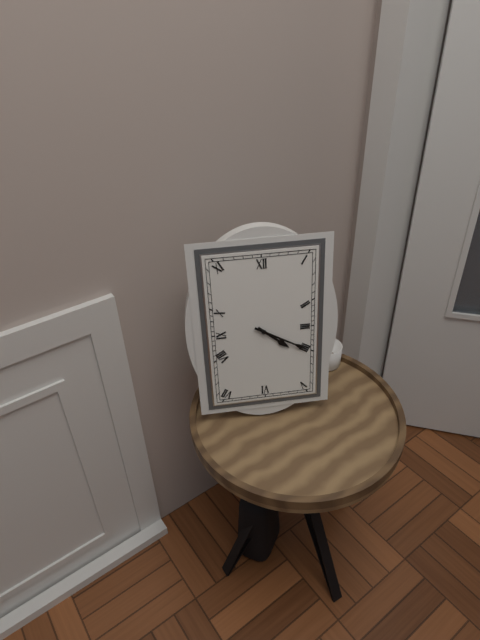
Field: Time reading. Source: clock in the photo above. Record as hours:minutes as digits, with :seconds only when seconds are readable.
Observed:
4:20
